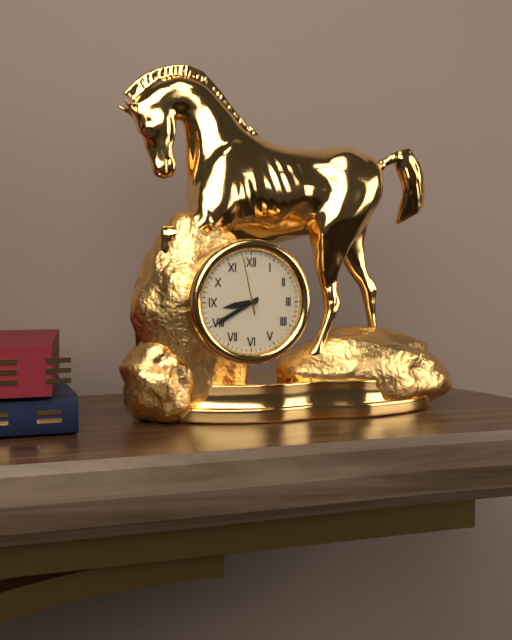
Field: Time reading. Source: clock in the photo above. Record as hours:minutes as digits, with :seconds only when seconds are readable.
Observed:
8:40:58
